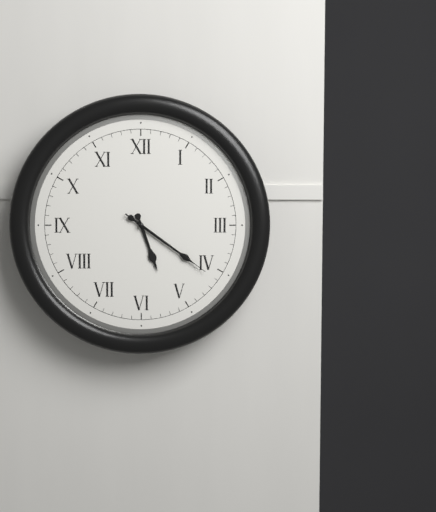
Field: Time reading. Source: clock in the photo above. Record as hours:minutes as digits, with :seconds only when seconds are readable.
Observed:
5:21:21
